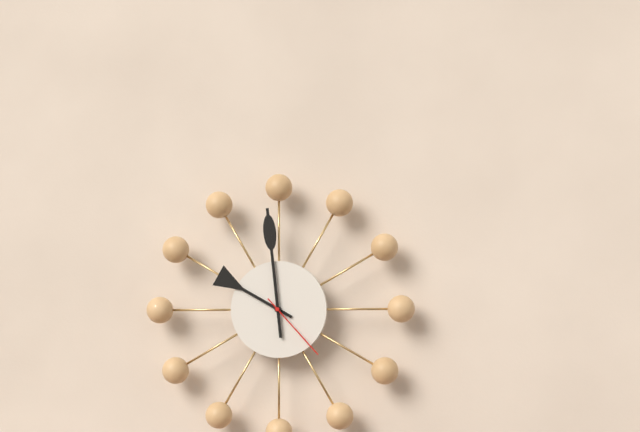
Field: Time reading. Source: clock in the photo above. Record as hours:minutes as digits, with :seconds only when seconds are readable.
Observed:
9:59:23
